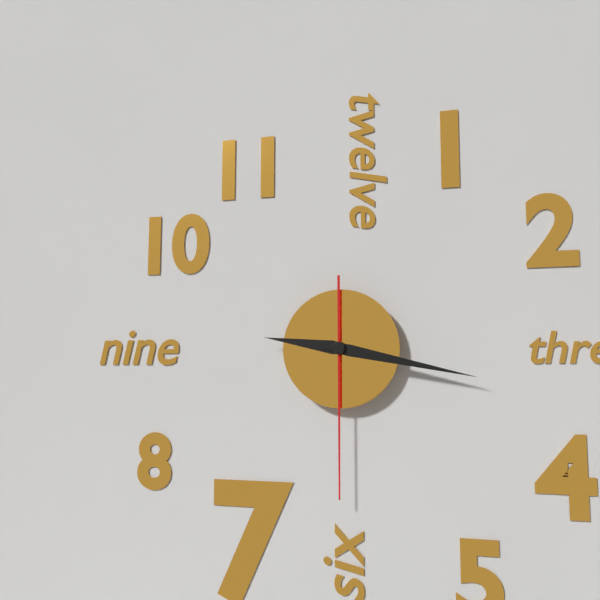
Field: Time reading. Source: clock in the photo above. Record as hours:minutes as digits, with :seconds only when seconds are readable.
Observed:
9:17:30
